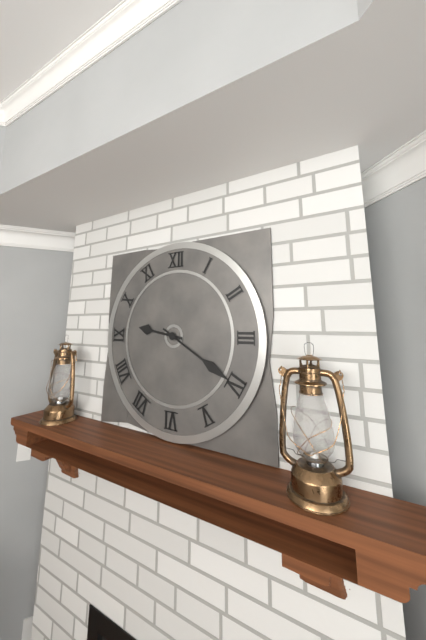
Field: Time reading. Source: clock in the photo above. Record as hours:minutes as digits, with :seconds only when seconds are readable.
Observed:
9:20
